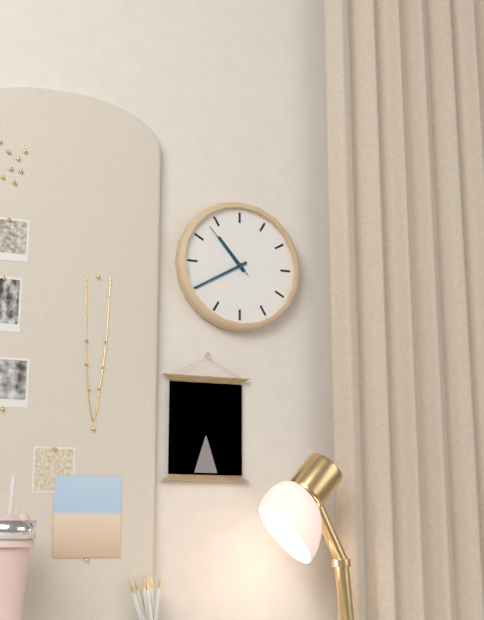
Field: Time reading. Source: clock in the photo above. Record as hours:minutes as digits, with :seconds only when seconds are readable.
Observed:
10:40:53
